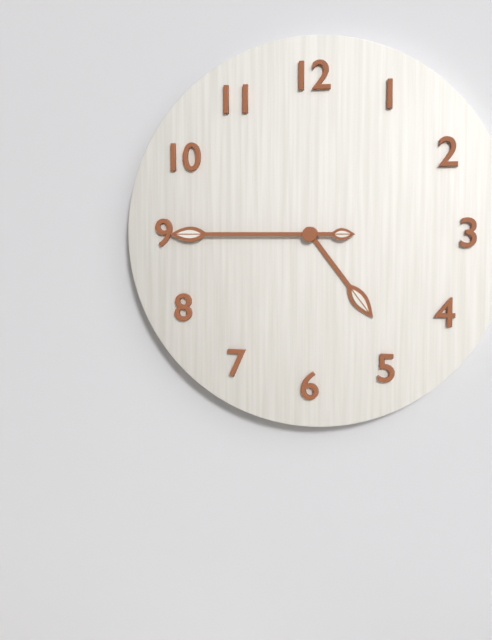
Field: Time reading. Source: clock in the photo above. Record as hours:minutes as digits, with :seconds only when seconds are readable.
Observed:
4:45
